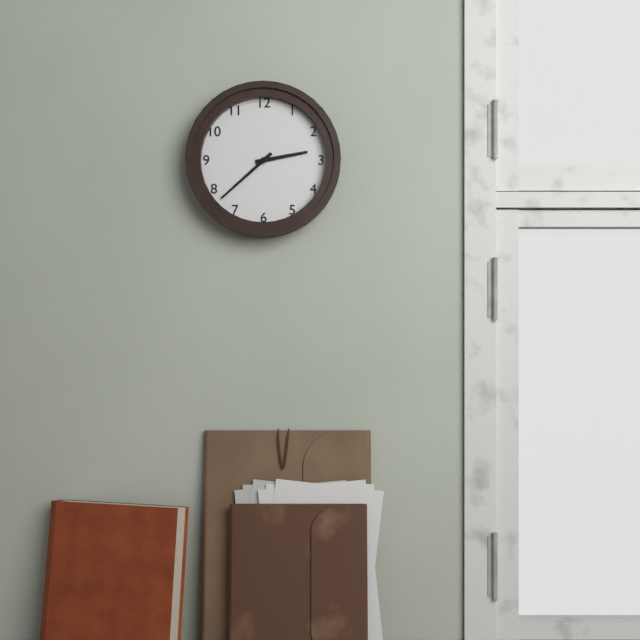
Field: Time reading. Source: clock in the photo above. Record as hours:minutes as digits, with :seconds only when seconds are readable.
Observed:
2:38
